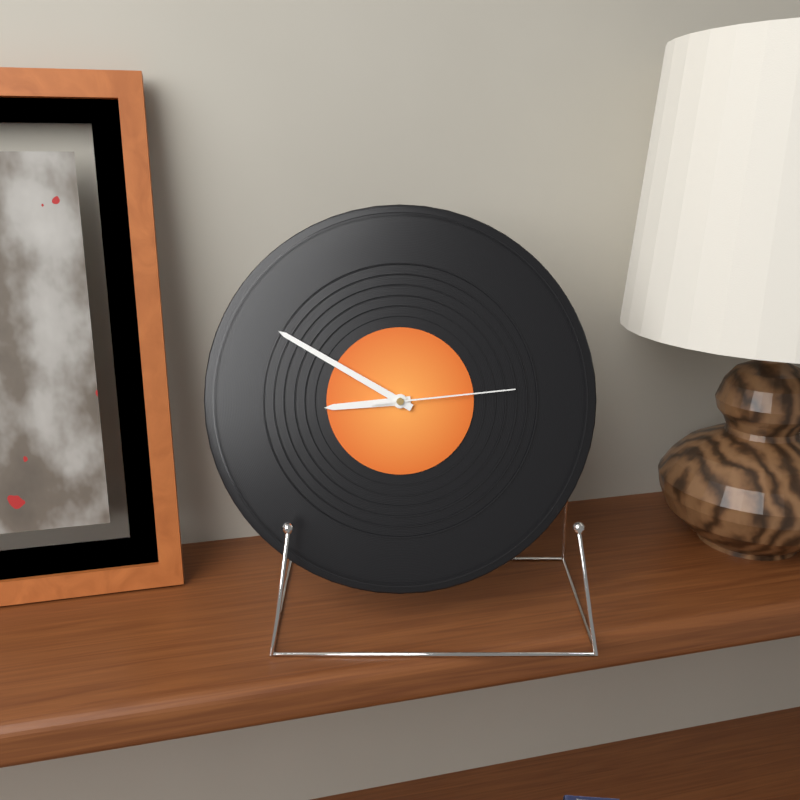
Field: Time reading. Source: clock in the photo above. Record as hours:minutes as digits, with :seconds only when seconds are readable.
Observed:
8:50:14
